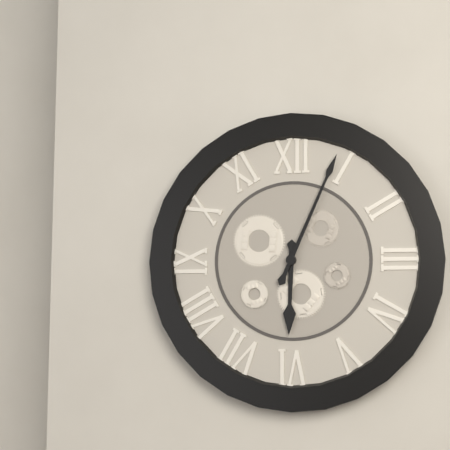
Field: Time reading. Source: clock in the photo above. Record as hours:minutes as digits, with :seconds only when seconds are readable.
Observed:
6:04
